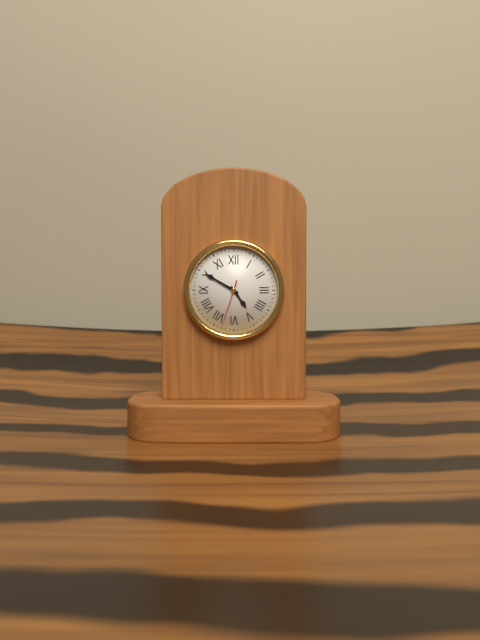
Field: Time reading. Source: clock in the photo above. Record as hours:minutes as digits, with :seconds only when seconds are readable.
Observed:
4:50
